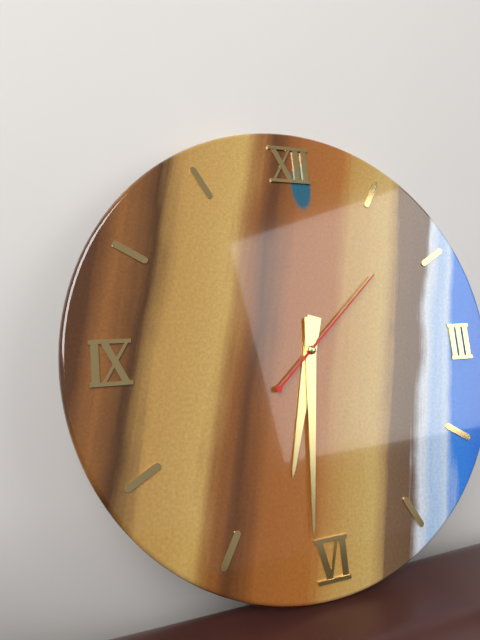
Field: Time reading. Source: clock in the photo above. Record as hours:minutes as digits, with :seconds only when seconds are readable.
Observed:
6:31:08
